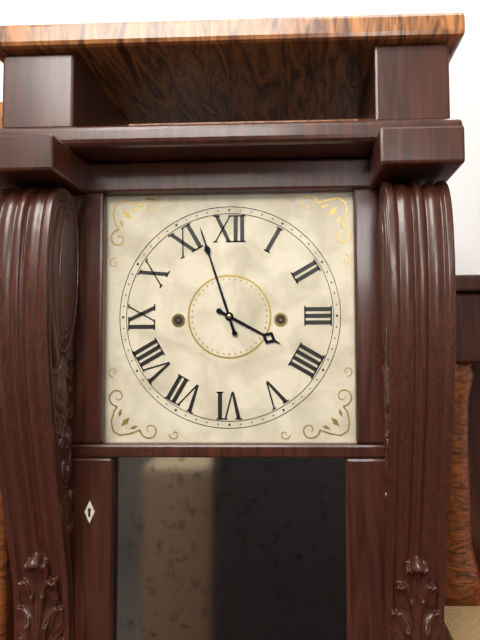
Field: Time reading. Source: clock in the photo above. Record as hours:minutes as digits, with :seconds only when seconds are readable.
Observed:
3:57
